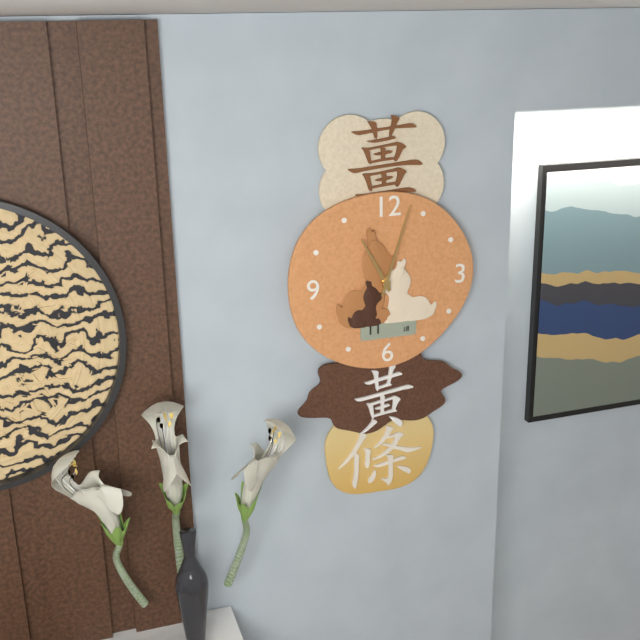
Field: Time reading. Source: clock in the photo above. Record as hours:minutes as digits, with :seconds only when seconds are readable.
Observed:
11:03
